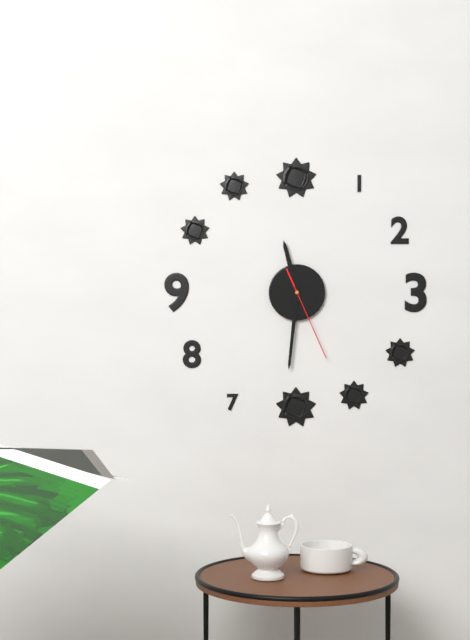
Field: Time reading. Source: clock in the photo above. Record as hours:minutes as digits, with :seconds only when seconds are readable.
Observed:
11:31:26
